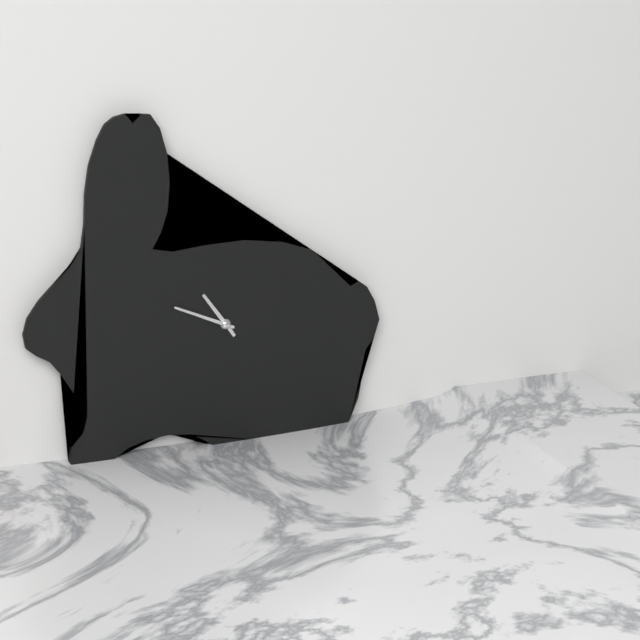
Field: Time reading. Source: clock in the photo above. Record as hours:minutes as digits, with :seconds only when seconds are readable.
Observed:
10:49
